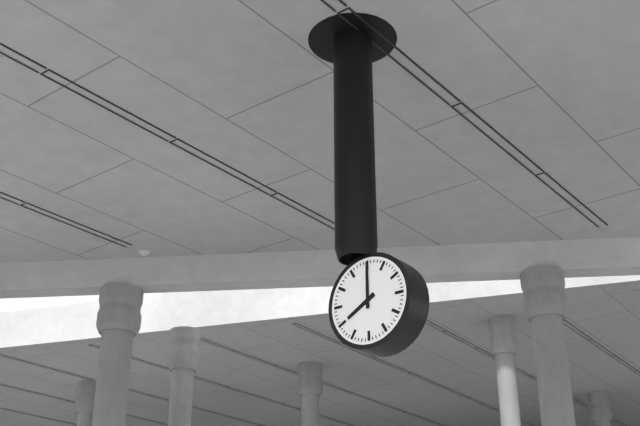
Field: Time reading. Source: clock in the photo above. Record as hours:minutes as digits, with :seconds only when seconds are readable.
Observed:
8:00
